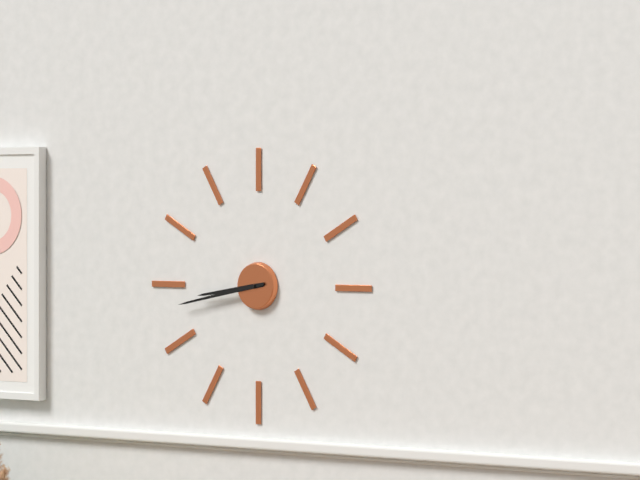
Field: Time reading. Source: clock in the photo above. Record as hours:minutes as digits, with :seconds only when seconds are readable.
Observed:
8:43
